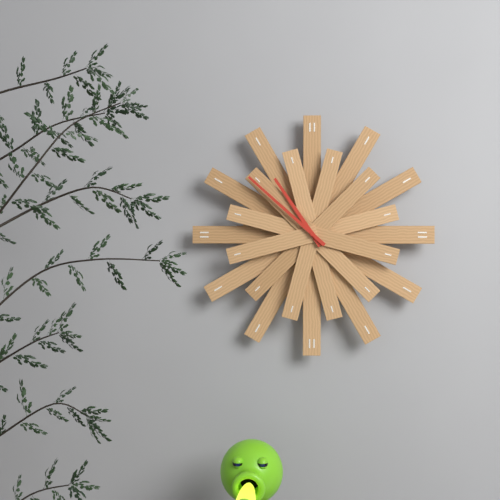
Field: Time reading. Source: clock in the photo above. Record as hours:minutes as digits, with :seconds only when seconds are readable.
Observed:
10:52
